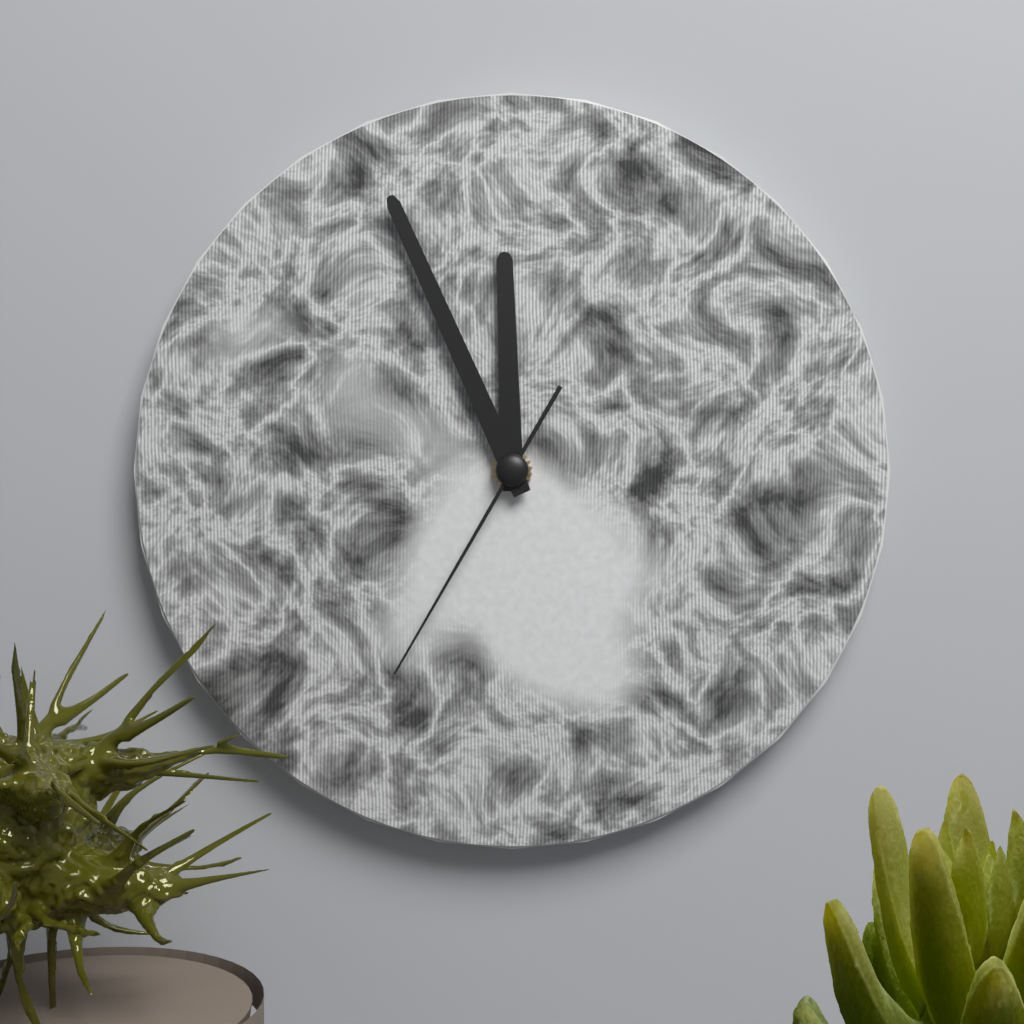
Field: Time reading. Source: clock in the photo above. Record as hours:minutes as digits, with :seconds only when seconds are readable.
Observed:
11:56:35
